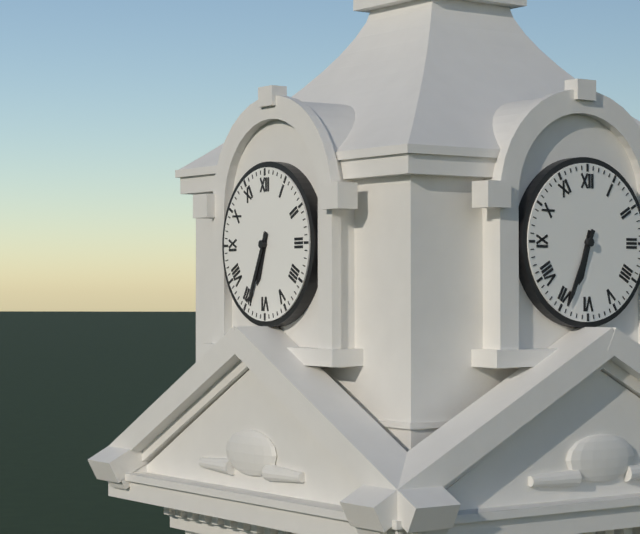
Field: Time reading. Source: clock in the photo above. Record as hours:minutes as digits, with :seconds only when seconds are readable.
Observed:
6:34
